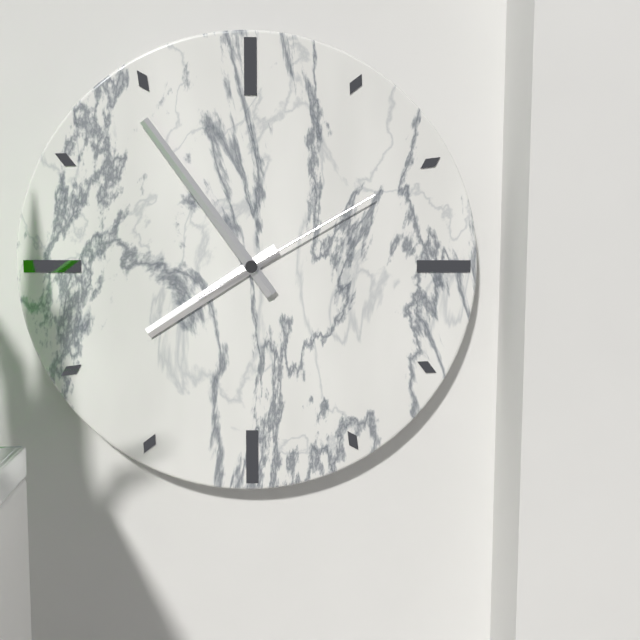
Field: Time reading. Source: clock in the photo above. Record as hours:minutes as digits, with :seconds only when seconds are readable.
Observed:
7:54:10
